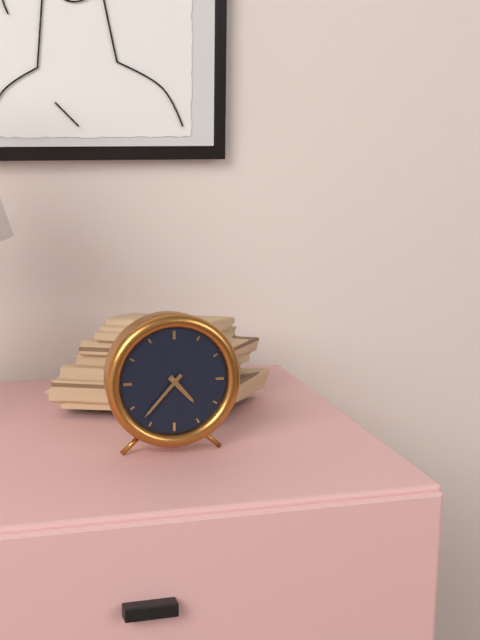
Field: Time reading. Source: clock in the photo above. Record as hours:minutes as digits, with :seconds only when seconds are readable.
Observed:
4:37
